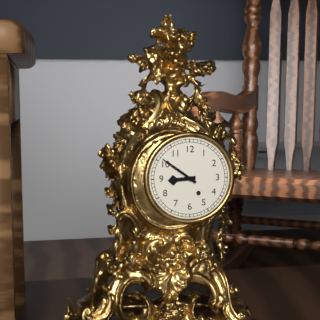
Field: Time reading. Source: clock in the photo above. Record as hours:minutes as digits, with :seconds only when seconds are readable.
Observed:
8:51
